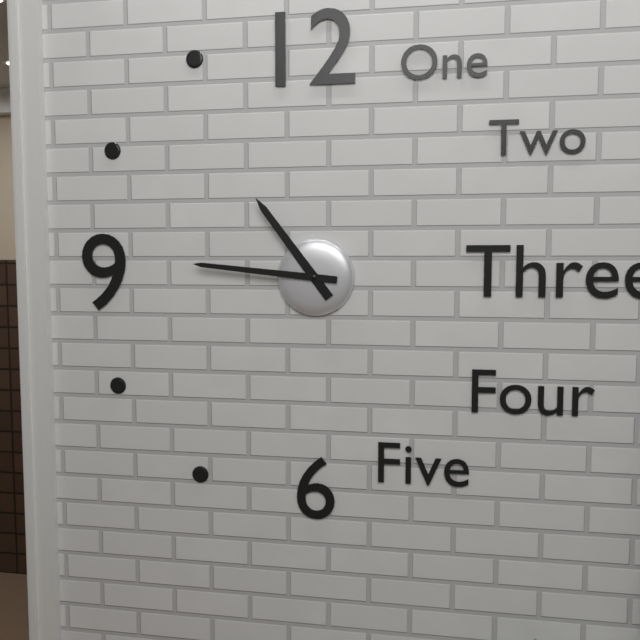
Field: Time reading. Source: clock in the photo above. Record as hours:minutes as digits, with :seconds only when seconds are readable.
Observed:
10:46
